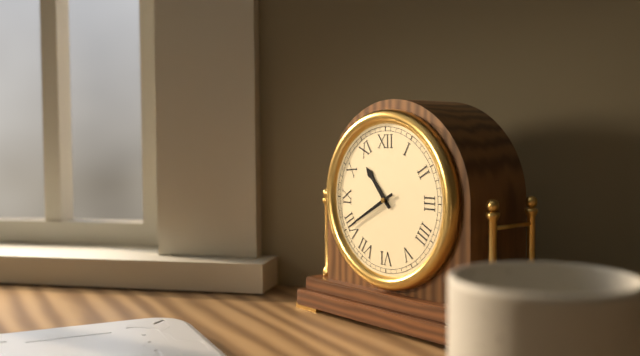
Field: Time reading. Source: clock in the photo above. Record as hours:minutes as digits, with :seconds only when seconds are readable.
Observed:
10:40
